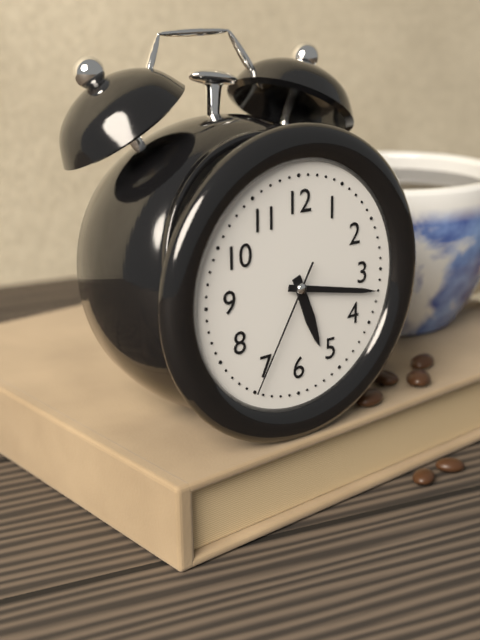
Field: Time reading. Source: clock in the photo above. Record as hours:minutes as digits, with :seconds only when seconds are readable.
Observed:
5:17:35
